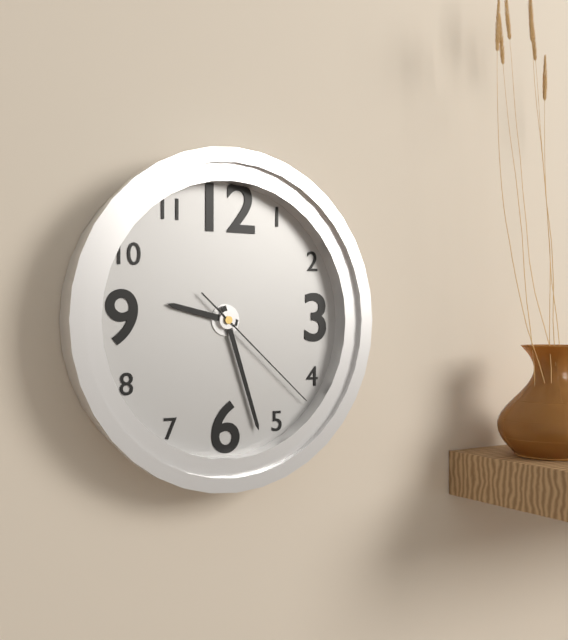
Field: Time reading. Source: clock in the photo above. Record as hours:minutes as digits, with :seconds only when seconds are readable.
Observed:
9:27:22
